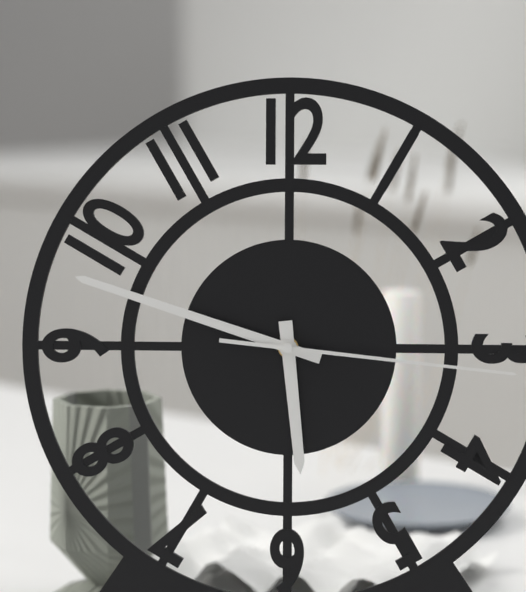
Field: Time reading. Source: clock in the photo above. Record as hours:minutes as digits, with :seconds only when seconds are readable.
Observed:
5:48:16
